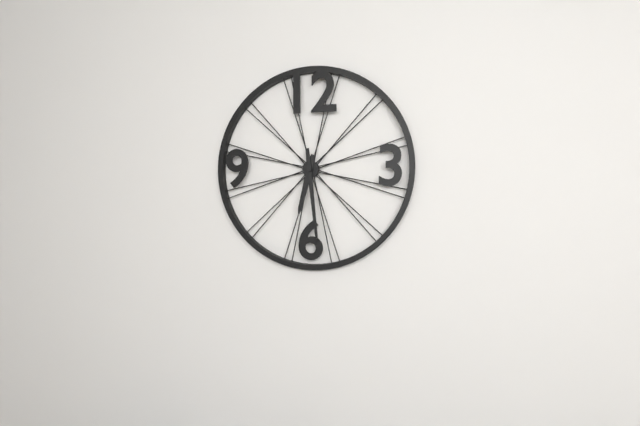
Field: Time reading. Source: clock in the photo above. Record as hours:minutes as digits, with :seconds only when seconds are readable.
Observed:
6:29
